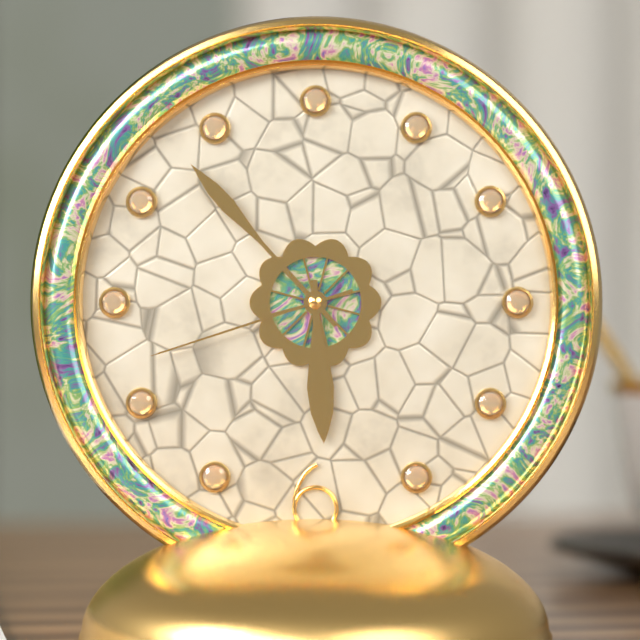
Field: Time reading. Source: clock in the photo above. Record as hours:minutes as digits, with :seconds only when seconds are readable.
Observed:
5:53:42
